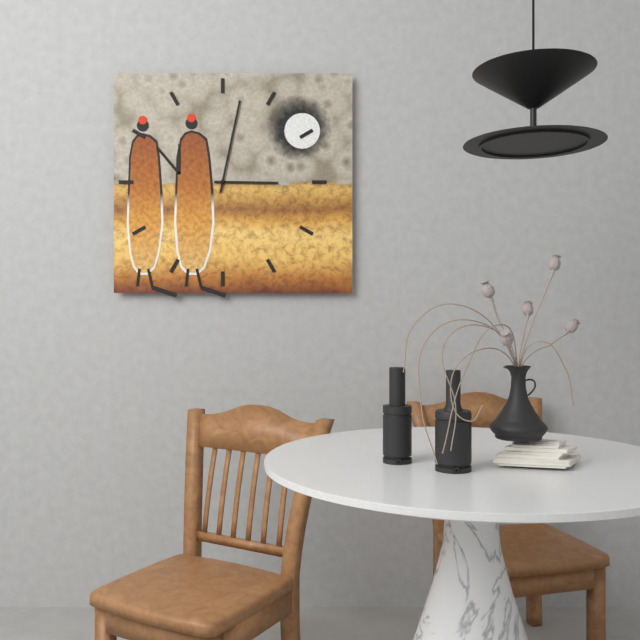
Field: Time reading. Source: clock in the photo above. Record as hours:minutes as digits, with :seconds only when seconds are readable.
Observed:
3:02
